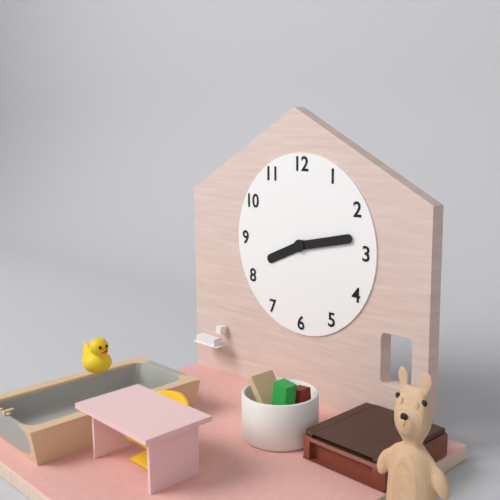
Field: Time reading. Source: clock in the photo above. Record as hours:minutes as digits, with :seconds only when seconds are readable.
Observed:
8:13
